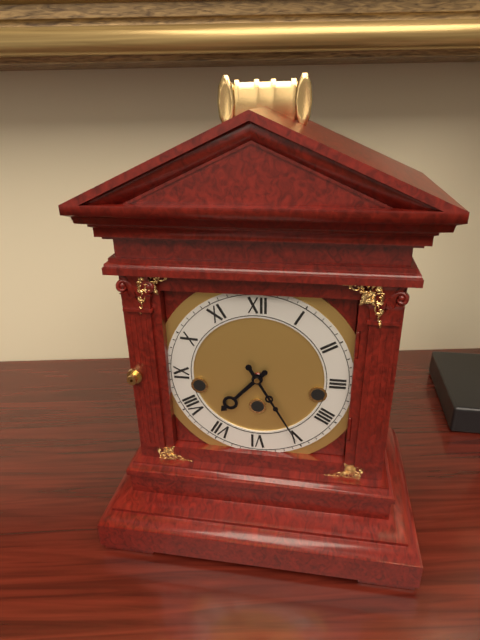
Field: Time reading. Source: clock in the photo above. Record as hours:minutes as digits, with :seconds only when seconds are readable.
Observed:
7:25
